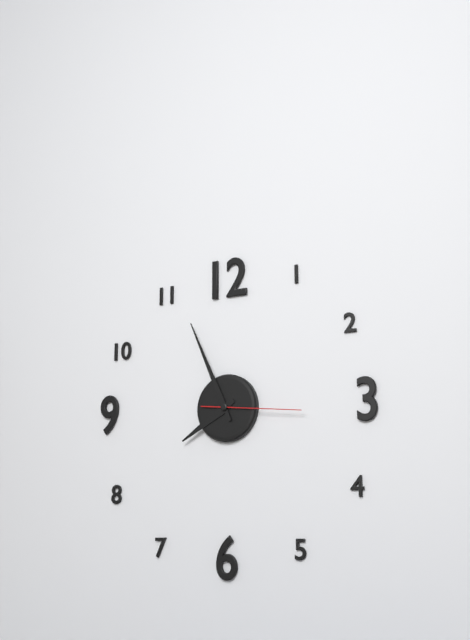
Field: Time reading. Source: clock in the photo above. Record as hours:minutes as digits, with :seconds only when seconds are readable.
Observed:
7:56:16
